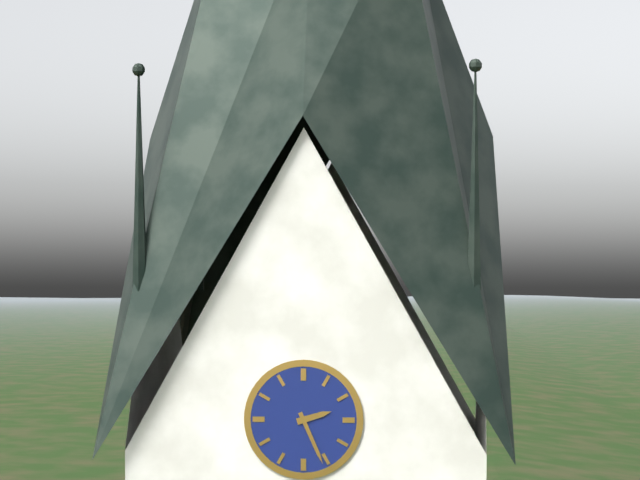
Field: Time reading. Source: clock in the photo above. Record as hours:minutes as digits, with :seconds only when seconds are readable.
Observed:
2:26
